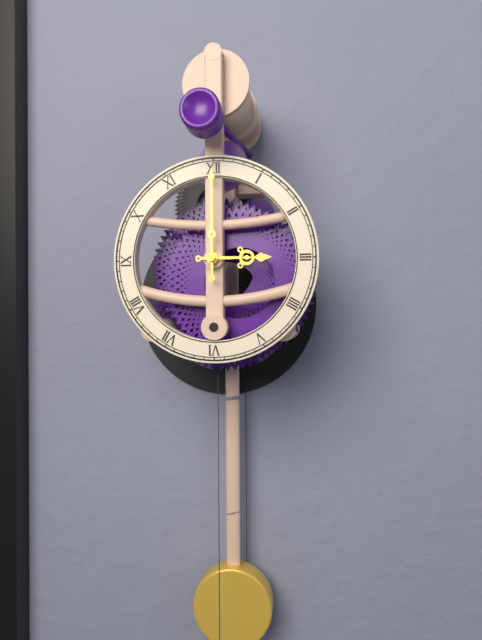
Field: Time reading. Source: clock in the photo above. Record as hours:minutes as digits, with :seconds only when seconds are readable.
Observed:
3:00
